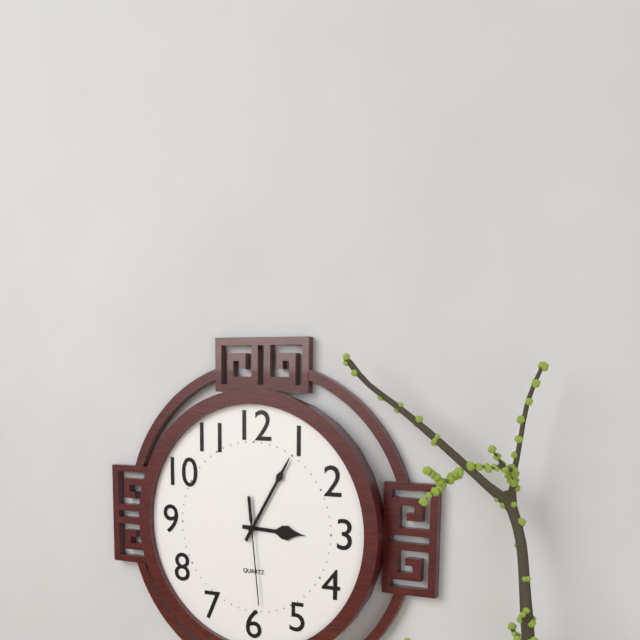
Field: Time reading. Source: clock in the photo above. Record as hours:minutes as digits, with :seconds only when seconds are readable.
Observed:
3:05:29
